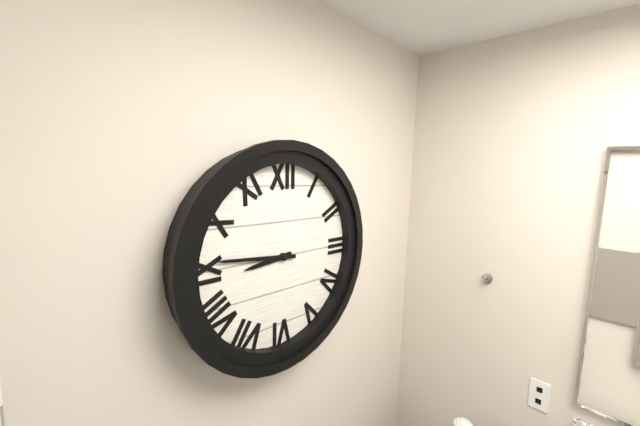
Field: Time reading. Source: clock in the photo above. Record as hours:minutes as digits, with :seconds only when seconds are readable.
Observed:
8:46
